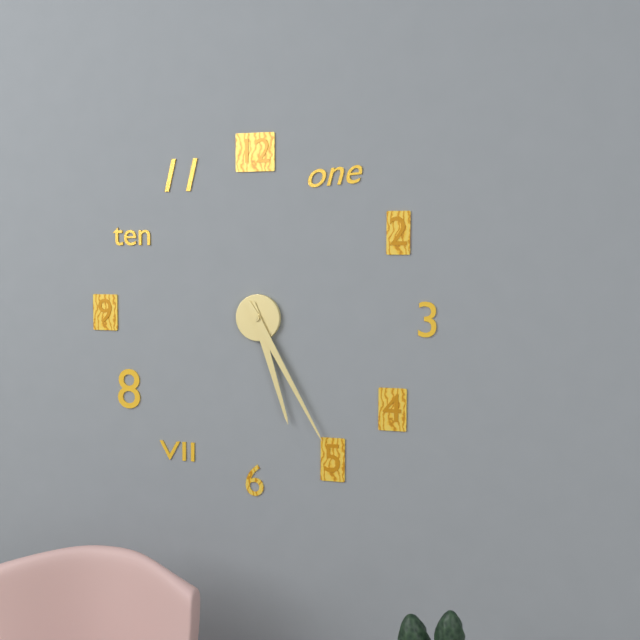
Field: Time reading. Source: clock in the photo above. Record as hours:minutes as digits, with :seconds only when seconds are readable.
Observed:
5:25
